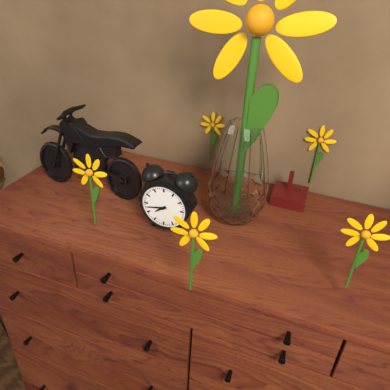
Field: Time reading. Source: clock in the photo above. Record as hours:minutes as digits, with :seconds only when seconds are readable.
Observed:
7:43
